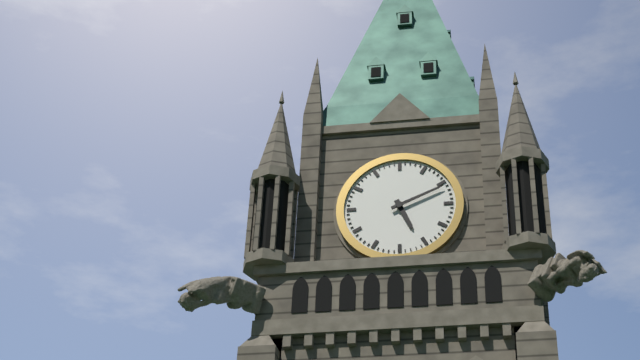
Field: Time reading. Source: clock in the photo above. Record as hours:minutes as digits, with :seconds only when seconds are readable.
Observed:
5:11
